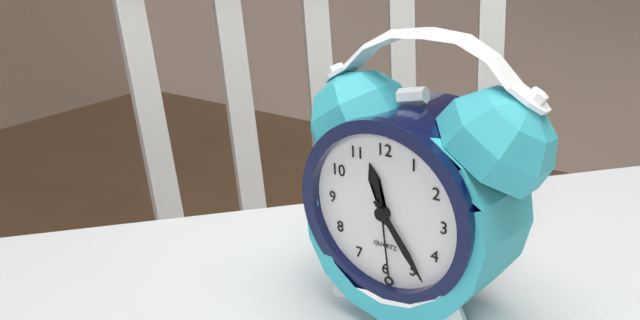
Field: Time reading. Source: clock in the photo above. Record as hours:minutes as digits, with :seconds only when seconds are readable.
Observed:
11:24:29
